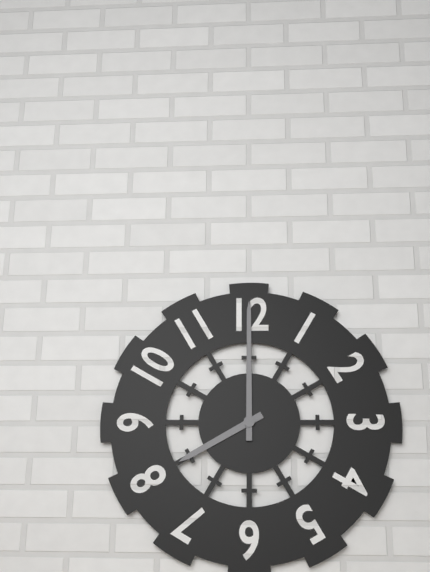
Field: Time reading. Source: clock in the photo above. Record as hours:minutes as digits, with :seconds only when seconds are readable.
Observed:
8:00
